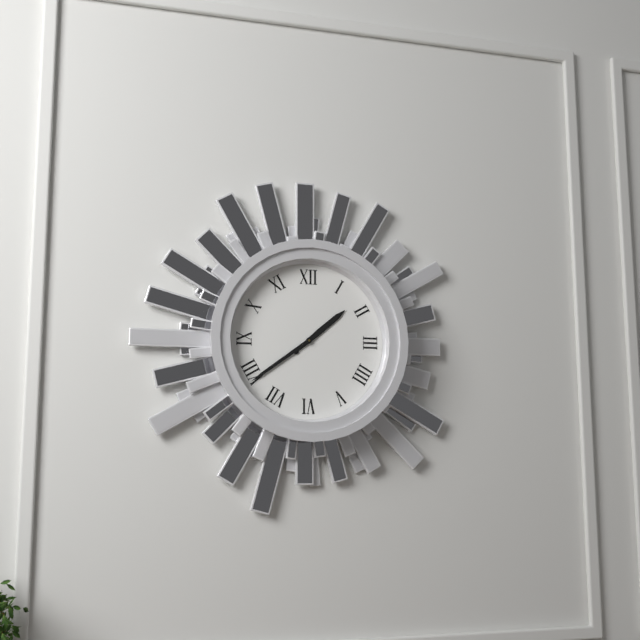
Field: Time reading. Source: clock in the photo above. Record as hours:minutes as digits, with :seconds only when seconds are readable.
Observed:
1:39
